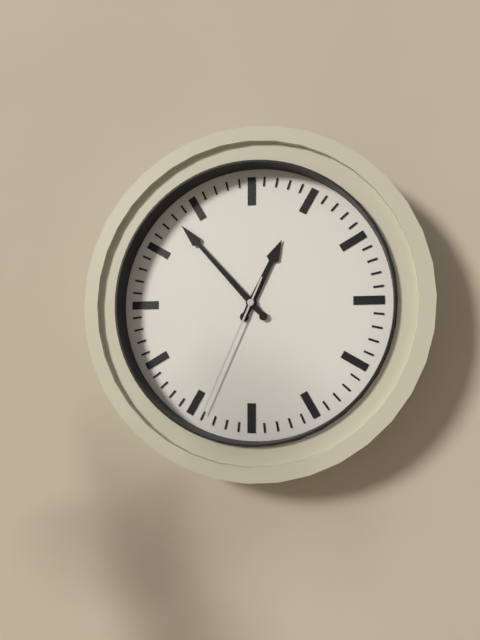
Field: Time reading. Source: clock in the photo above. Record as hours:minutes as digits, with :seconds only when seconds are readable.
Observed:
12:53:34
